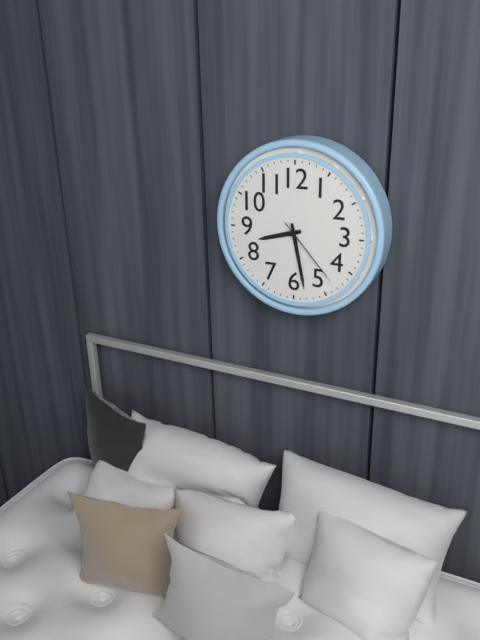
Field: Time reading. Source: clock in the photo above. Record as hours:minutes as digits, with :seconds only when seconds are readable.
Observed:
8:28:23
